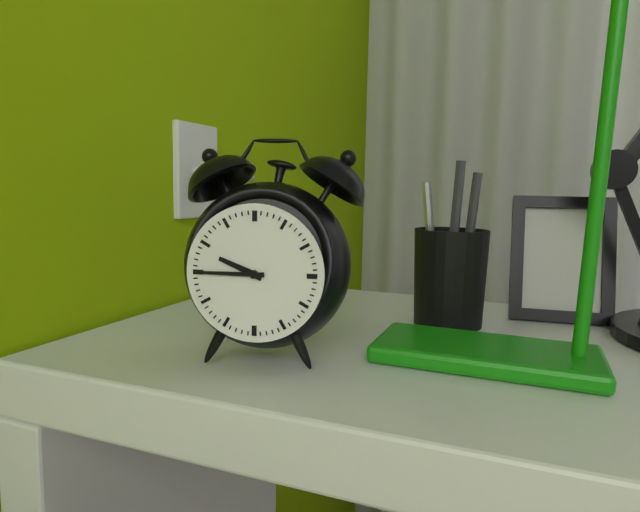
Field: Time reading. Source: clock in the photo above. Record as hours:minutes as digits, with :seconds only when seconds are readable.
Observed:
9:45
